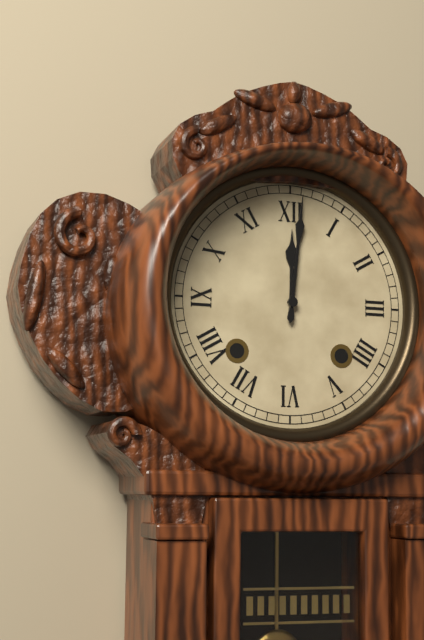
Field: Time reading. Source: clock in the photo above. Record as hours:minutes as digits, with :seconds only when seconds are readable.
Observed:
12:01
